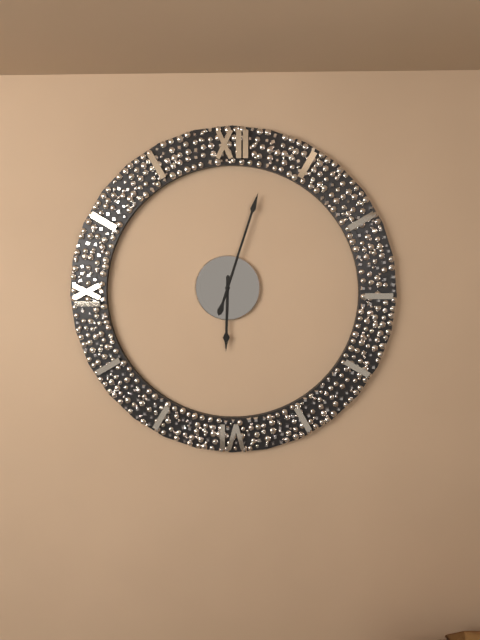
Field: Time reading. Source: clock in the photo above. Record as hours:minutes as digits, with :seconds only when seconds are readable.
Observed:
6:03
